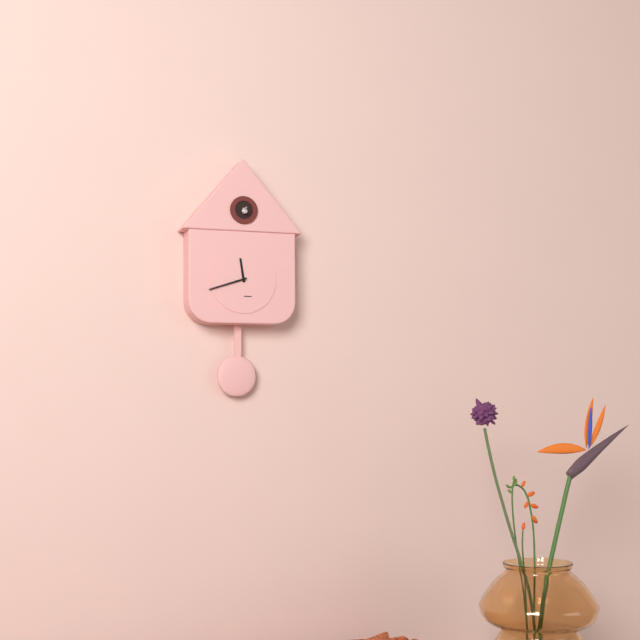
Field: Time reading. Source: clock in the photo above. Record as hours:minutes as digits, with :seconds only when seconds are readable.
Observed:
11:42
